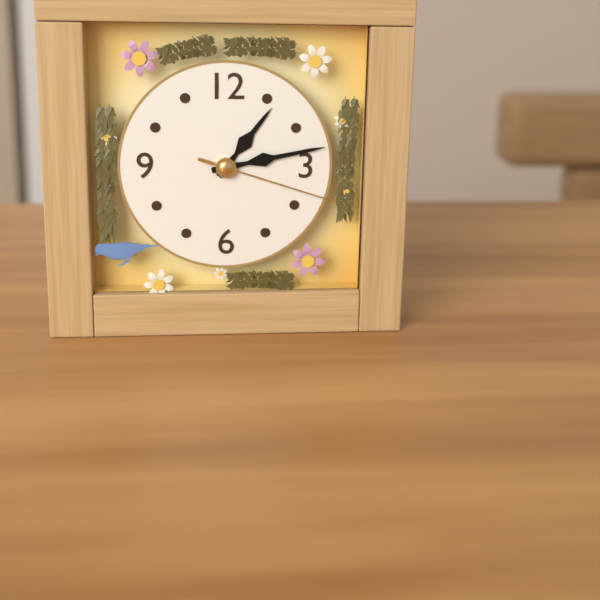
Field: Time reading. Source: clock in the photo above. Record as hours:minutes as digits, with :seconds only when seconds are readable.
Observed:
1:13:18
